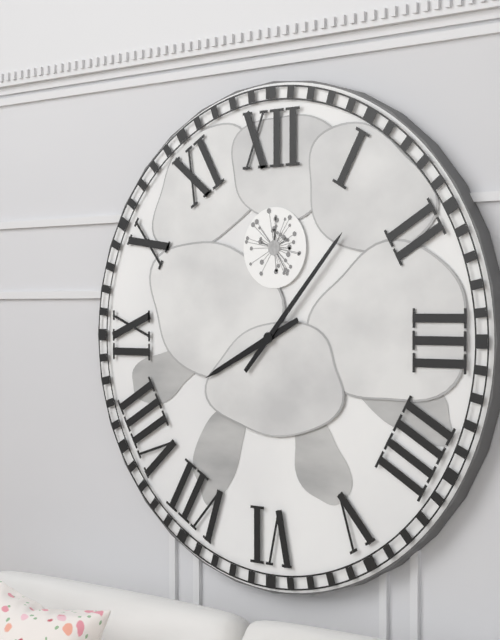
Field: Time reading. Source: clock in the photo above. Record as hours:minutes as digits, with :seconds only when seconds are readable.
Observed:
8:07
